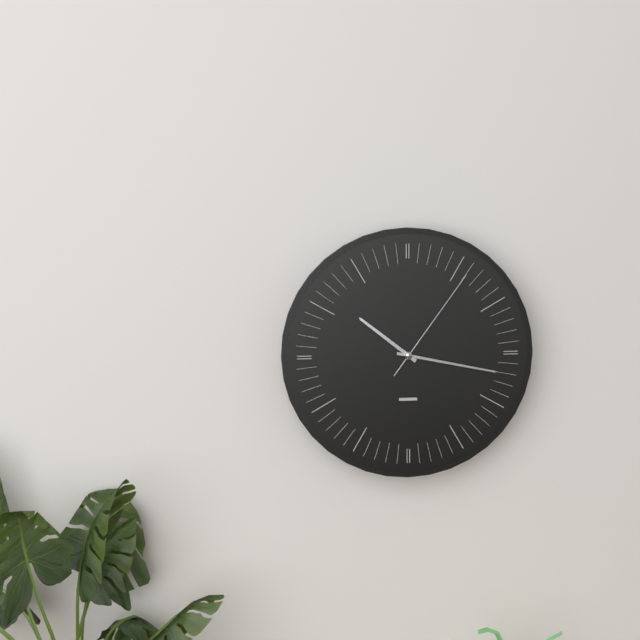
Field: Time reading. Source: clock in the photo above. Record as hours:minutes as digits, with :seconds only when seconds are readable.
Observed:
10:17:06
